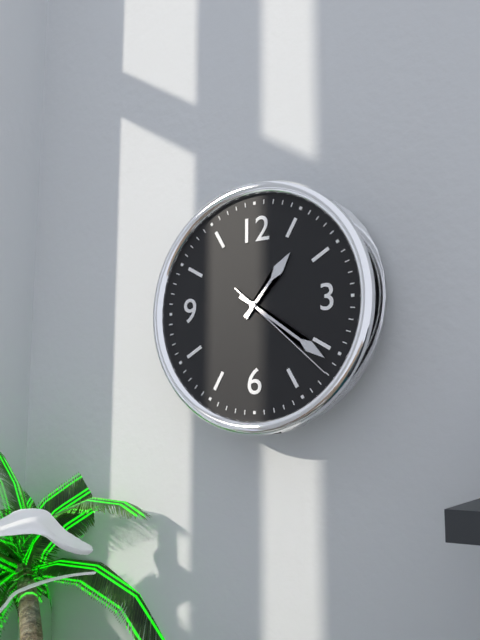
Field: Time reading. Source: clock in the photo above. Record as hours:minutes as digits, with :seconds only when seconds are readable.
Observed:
1:21:22
